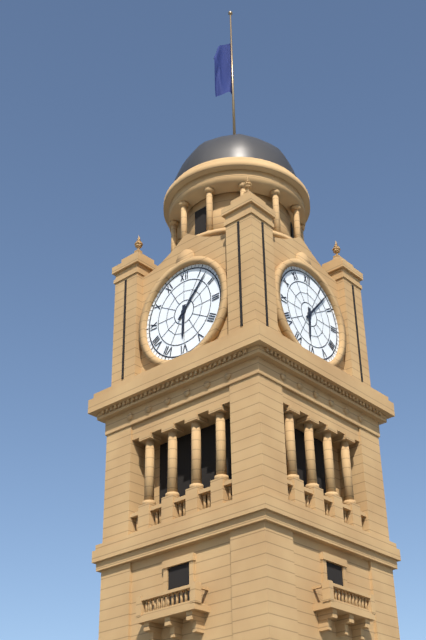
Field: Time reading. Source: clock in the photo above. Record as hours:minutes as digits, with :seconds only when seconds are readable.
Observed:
6:07
